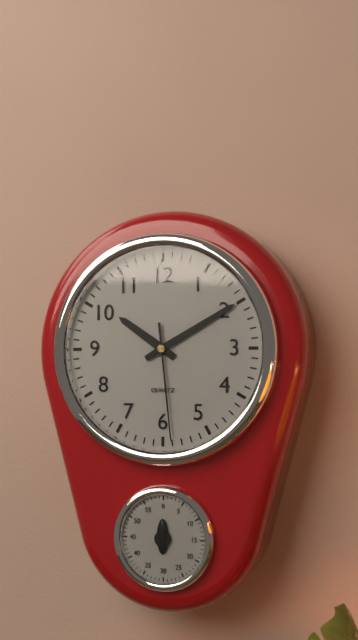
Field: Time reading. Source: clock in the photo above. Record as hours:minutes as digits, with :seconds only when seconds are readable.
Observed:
10:10:29
